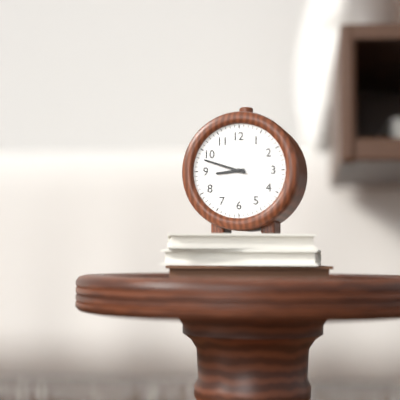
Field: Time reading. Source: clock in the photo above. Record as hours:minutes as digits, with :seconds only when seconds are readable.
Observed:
8:48
